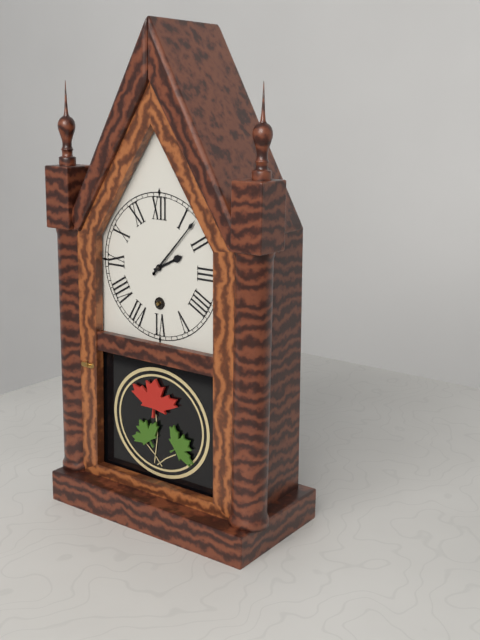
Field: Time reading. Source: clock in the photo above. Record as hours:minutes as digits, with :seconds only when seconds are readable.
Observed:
2:07
